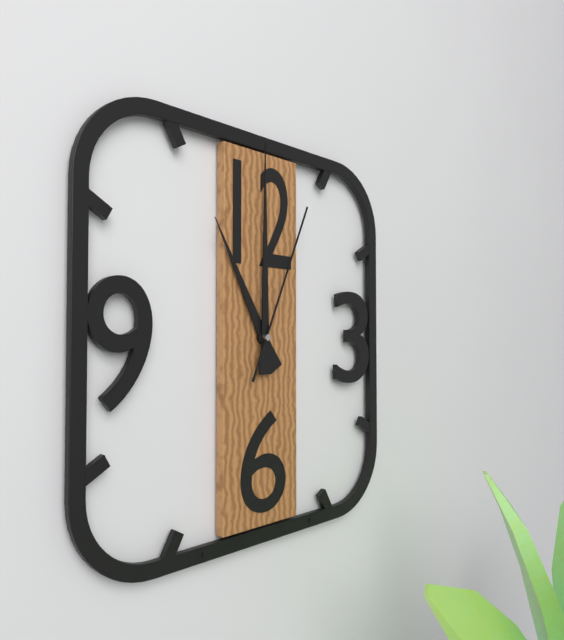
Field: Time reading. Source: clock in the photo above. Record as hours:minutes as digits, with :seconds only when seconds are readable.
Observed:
11:00:04
